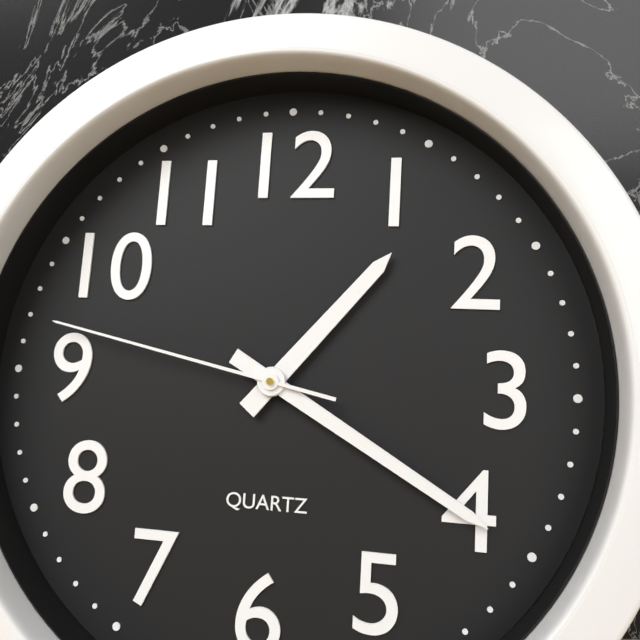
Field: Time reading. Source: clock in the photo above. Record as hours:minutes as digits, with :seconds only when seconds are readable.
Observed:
1:20:47
